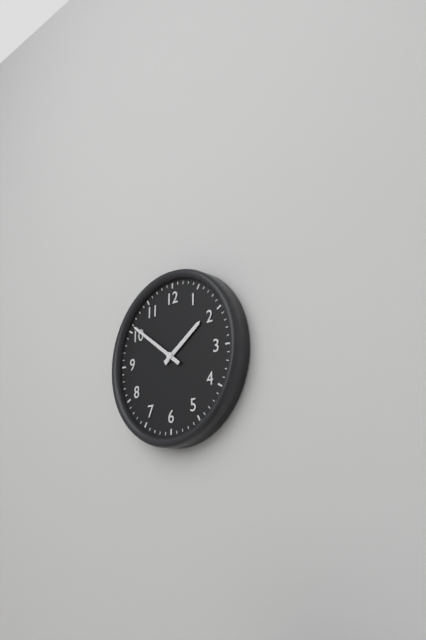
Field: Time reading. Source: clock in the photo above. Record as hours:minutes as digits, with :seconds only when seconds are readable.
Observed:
1:51
